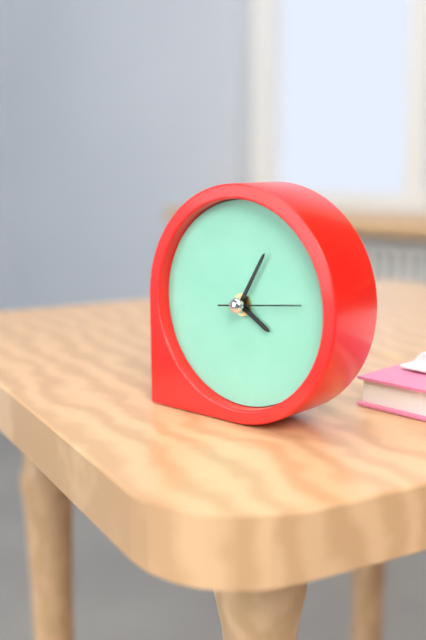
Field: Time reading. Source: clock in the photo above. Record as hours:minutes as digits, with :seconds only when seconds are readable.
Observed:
4:05:14
